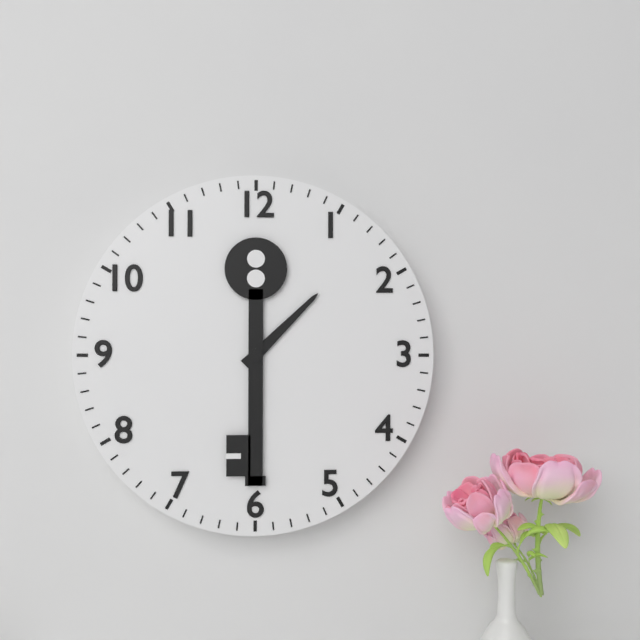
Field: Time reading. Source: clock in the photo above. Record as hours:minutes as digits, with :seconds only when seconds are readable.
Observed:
1:30
